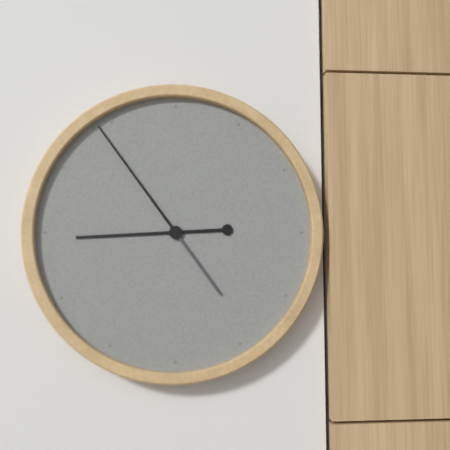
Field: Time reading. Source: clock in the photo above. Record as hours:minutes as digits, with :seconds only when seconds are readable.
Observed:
8:54
